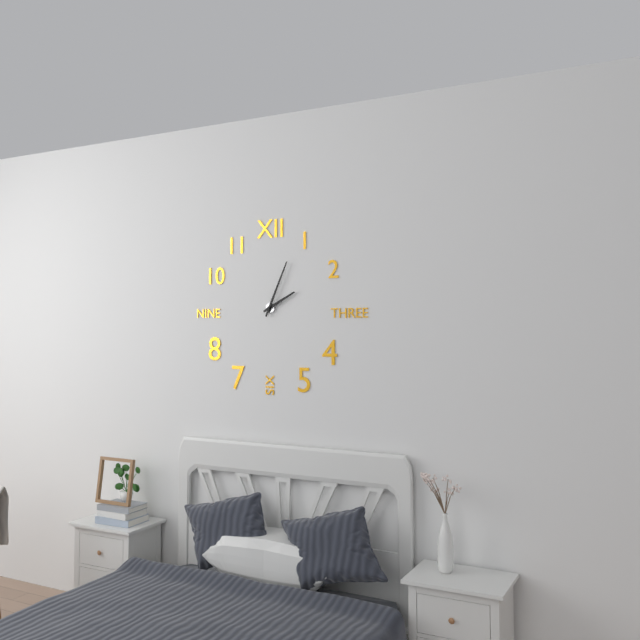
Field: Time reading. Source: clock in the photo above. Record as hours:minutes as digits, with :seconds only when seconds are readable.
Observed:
2:04
